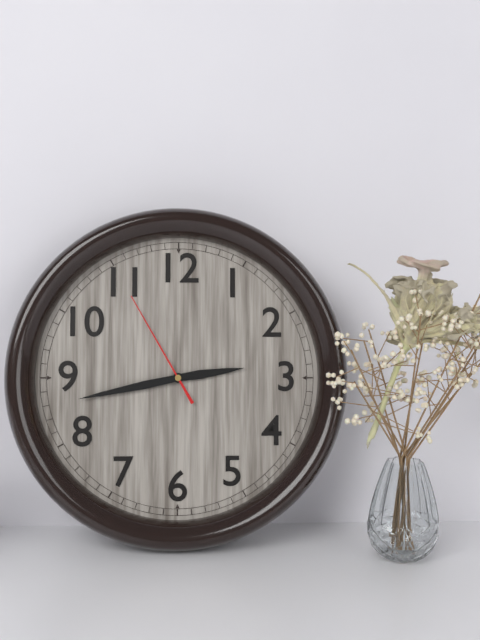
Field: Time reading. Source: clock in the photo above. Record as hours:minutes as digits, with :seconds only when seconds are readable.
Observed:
2:43:55
